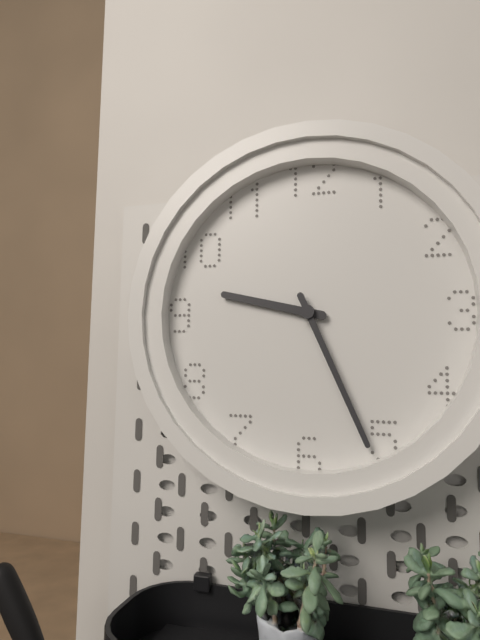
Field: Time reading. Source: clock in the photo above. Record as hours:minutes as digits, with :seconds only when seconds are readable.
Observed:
9:26
